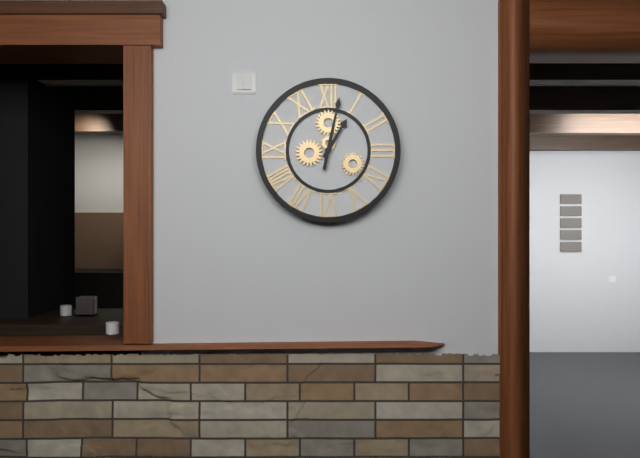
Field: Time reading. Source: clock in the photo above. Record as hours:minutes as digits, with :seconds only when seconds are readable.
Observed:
1:02
